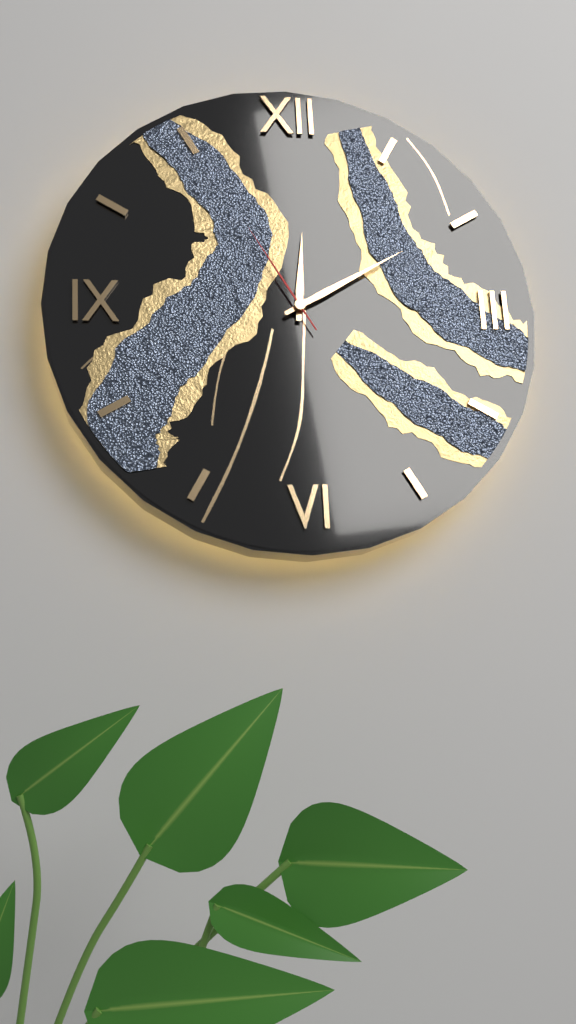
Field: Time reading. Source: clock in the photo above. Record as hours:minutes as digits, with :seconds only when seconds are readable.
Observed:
12:10:55
